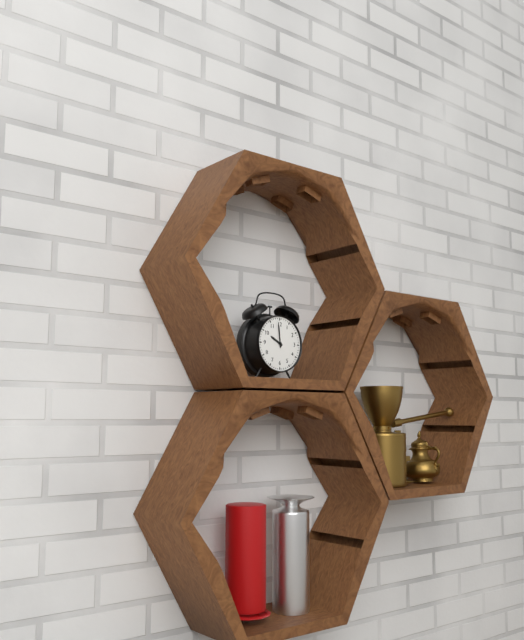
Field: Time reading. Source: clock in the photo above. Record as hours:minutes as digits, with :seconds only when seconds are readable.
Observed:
9:59
